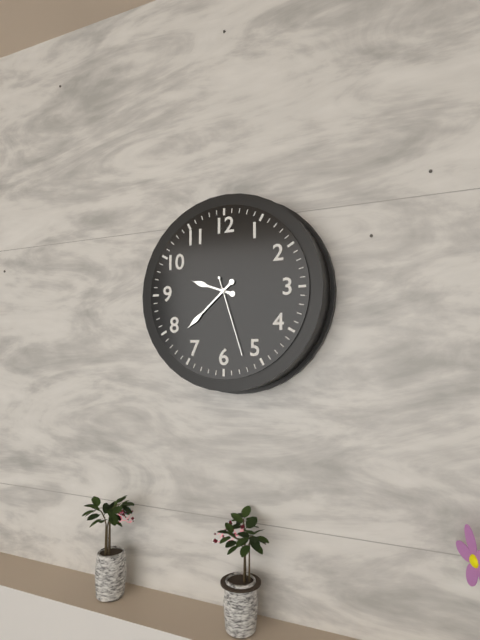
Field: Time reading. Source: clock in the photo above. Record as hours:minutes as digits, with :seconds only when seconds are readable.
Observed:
9:38:27
